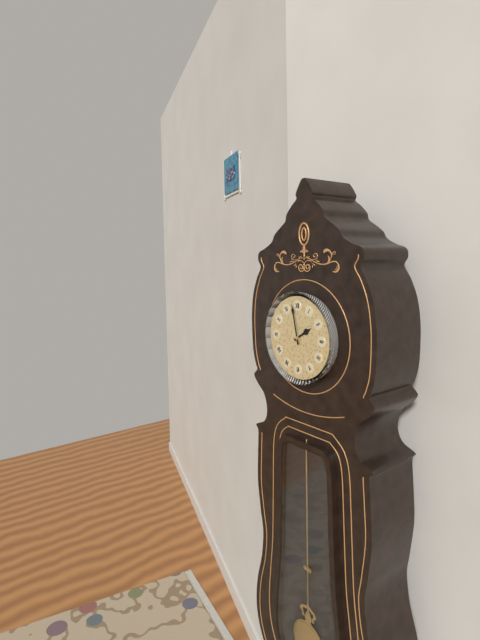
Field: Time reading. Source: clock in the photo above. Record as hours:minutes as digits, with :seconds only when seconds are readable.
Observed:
1:58
